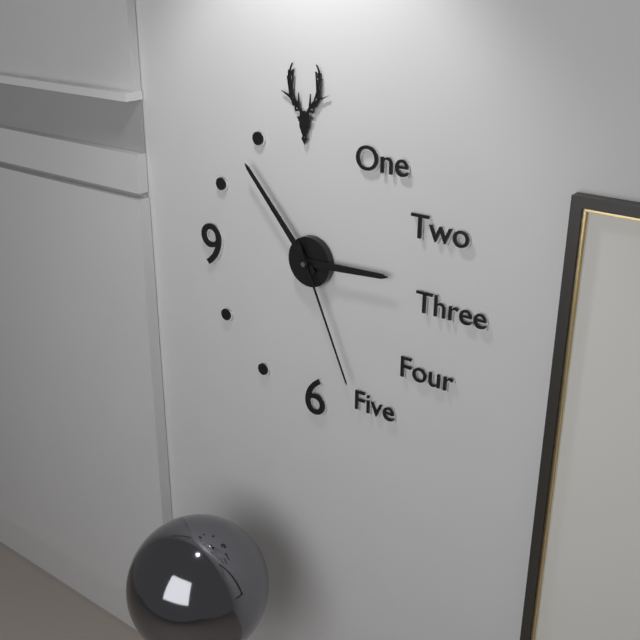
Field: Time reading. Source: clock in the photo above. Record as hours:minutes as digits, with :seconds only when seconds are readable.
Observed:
2:53:26
